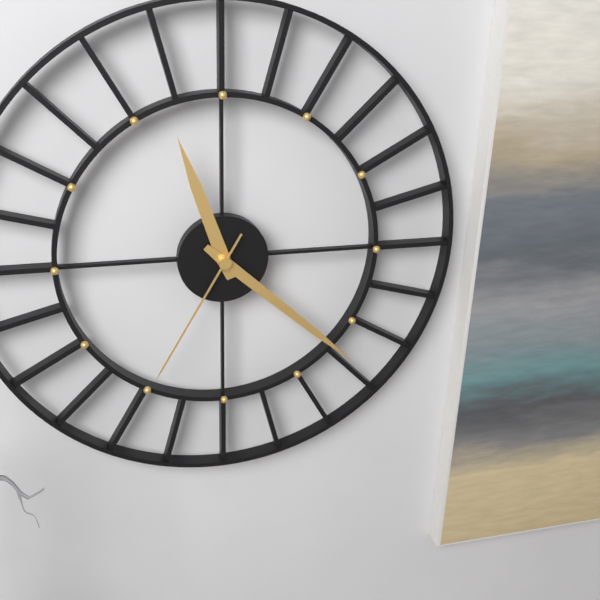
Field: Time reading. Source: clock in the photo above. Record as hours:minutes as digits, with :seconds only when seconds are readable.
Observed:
11:22:35
